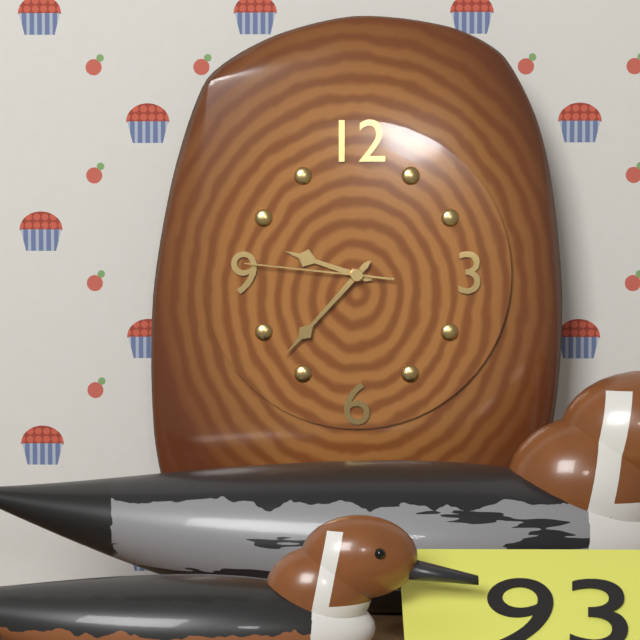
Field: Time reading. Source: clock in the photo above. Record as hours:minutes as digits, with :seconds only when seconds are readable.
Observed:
9:37:46
